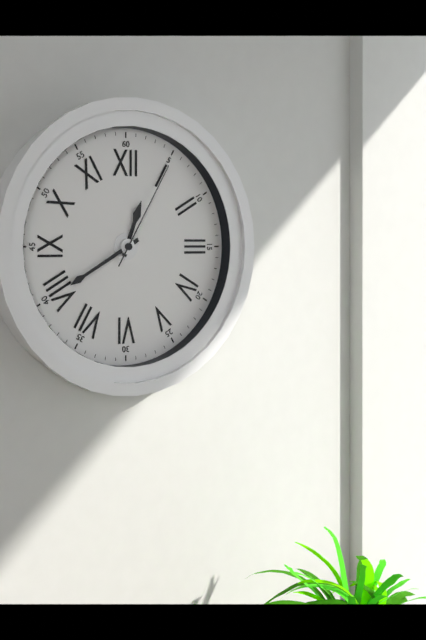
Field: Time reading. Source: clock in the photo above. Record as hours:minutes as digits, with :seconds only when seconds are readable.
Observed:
12:40:05
